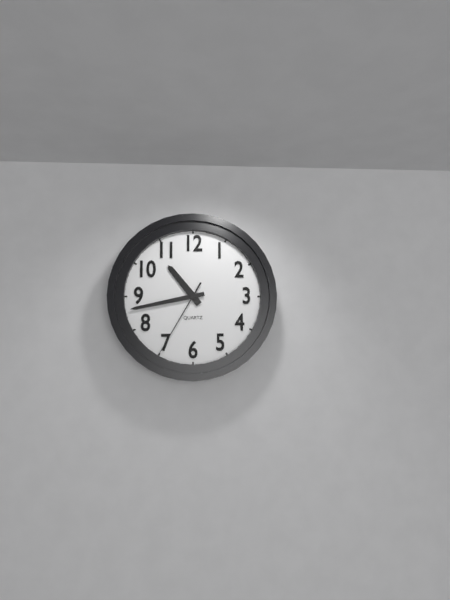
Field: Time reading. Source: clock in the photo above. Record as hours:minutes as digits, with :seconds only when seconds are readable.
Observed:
10:43:35
